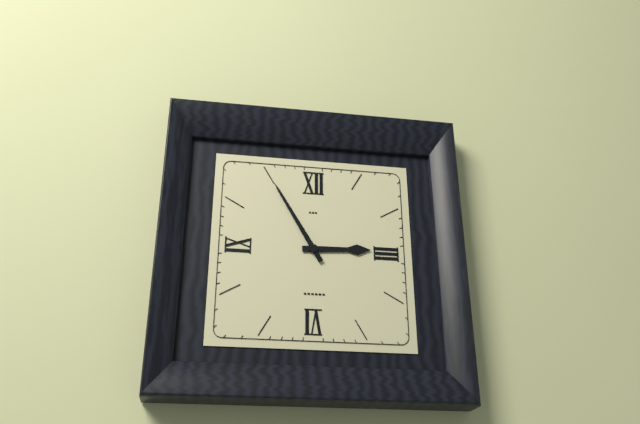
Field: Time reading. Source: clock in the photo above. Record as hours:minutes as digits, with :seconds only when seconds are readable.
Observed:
2:55
